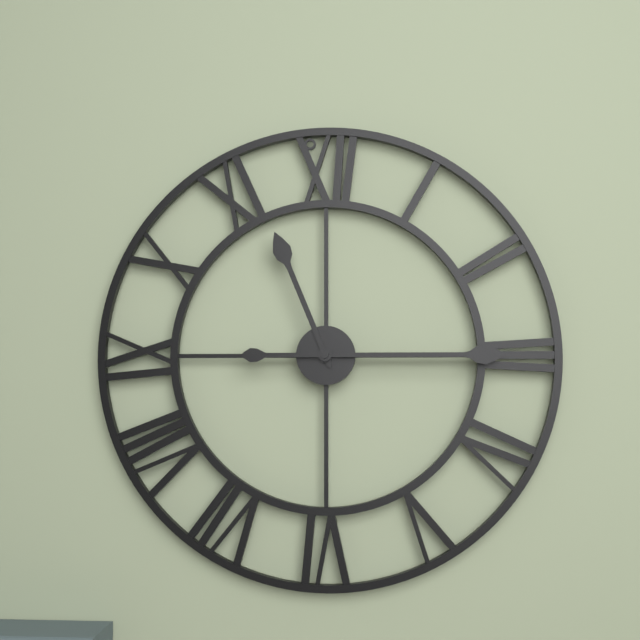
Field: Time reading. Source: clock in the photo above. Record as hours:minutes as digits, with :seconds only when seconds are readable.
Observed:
11:15
